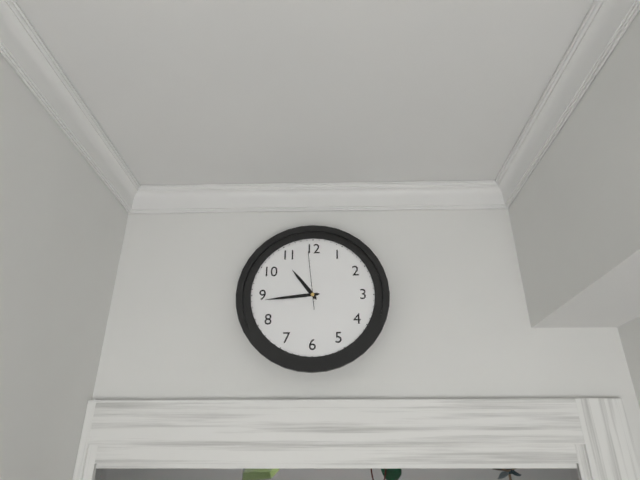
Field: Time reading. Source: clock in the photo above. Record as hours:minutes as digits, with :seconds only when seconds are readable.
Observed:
10:44:59
